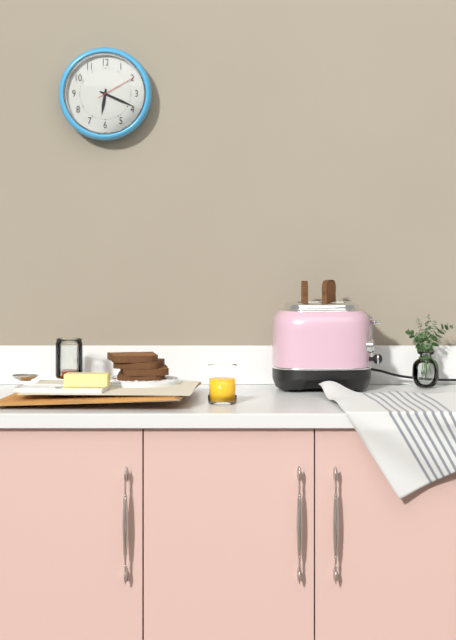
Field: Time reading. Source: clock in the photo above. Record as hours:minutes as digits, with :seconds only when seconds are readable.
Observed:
6:19
